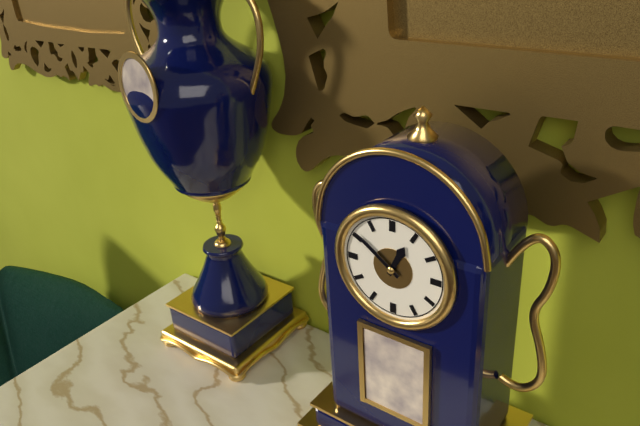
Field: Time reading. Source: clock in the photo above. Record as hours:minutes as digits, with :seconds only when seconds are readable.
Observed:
12:51
